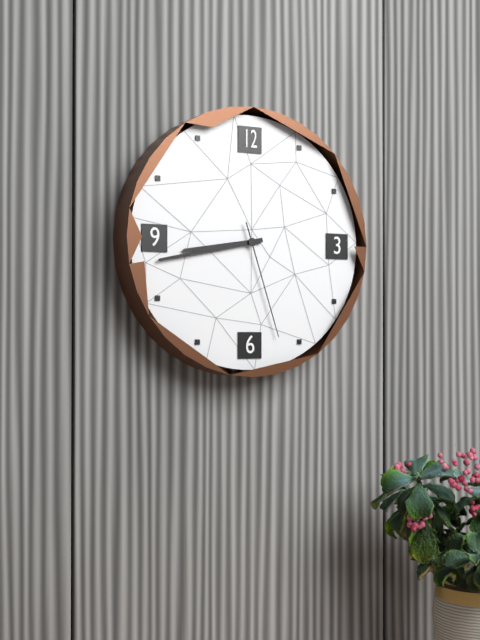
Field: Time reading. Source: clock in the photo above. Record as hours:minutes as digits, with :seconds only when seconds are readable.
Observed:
8:43:27
